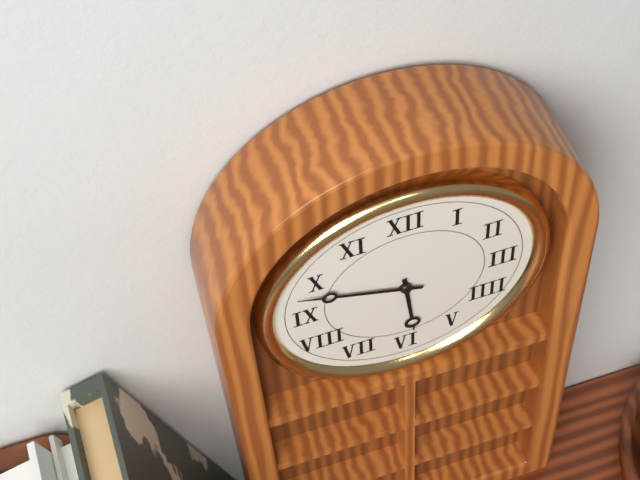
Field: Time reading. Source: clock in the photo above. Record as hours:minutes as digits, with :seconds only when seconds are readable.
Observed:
5:48
